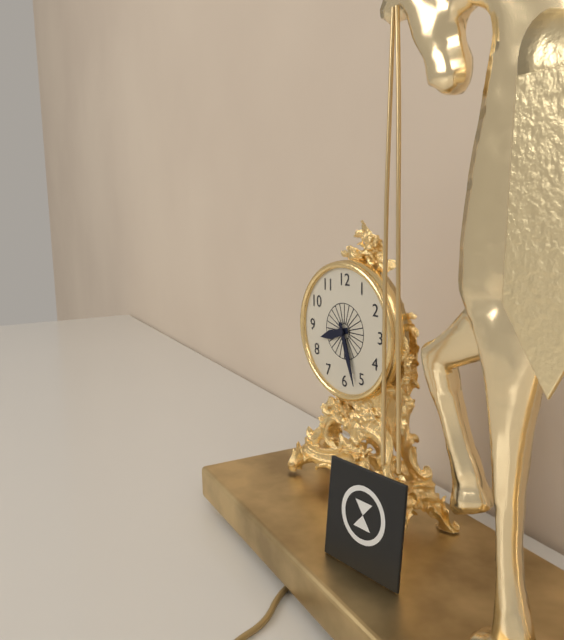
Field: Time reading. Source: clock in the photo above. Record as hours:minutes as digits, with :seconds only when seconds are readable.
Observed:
8:27
